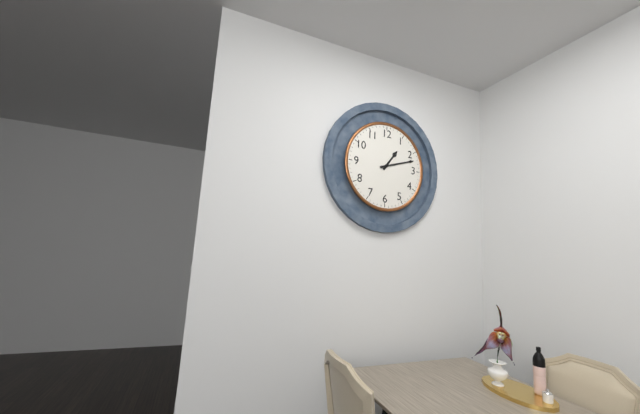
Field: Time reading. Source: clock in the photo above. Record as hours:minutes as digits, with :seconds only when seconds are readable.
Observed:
1:12
